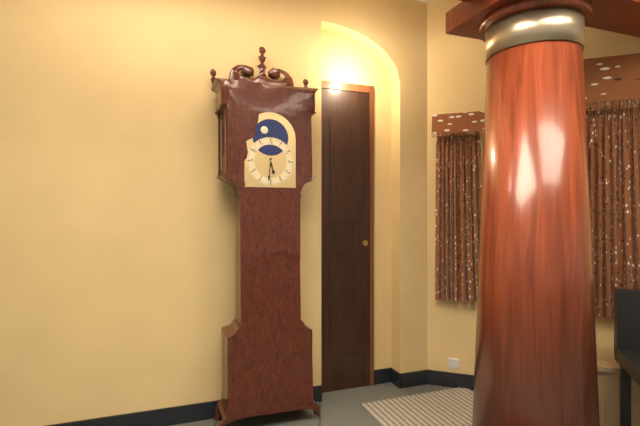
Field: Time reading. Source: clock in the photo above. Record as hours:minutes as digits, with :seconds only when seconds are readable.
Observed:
5:31
